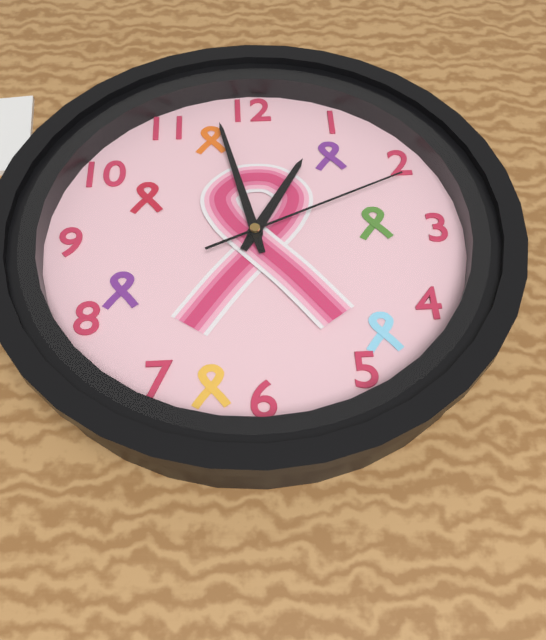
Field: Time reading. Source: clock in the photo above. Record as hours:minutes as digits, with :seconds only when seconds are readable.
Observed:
12:58:11
